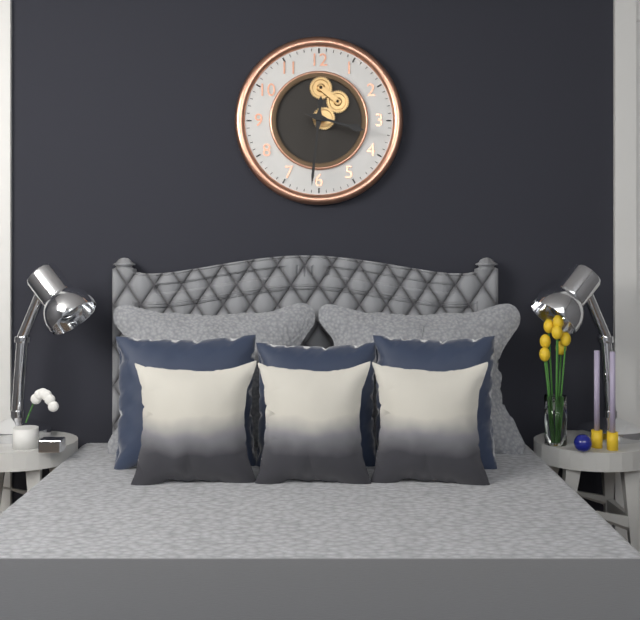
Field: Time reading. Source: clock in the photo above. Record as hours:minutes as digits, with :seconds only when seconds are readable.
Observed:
3:31
